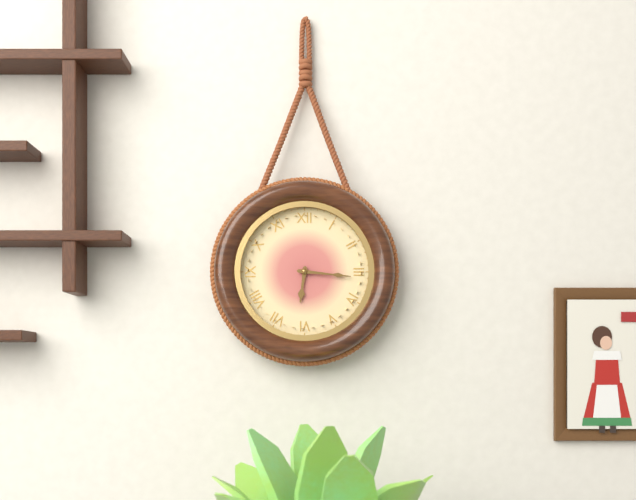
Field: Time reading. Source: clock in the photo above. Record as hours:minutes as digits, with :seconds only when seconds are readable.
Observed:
6:16
